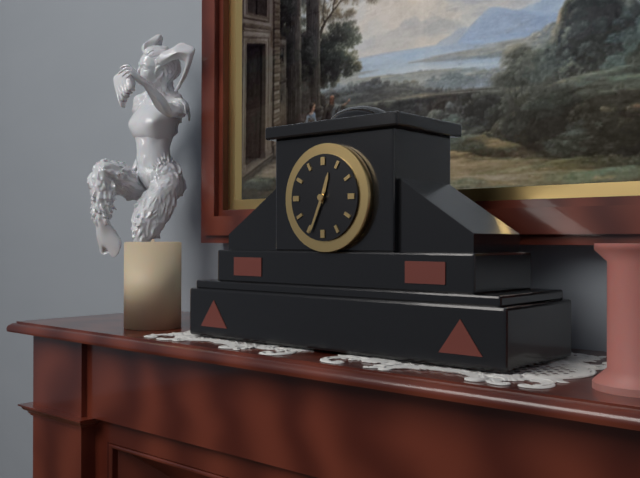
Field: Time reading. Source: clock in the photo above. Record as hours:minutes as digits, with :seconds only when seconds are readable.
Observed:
12:34
